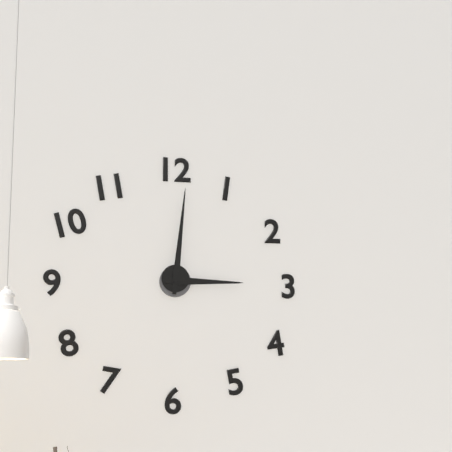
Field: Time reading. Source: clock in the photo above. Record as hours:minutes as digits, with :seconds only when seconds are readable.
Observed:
3:01
